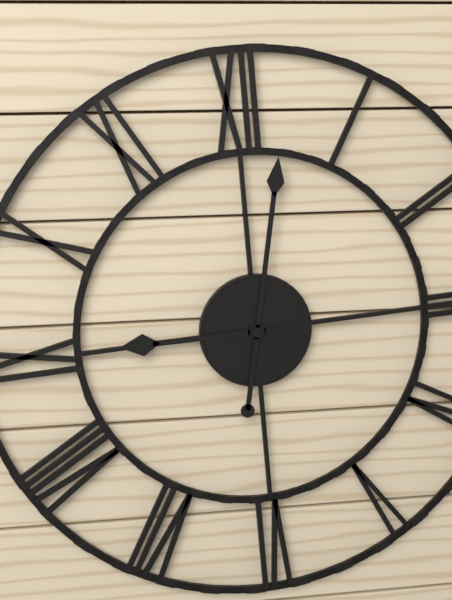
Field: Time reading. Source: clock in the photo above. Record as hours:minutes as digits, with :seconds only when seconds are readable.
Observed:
9:02
